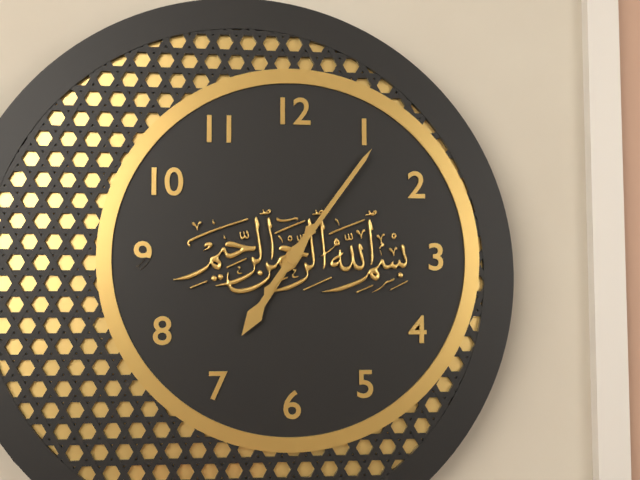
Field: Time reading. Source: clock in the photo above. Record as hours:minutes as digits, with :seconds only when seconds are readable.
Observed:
7:06
